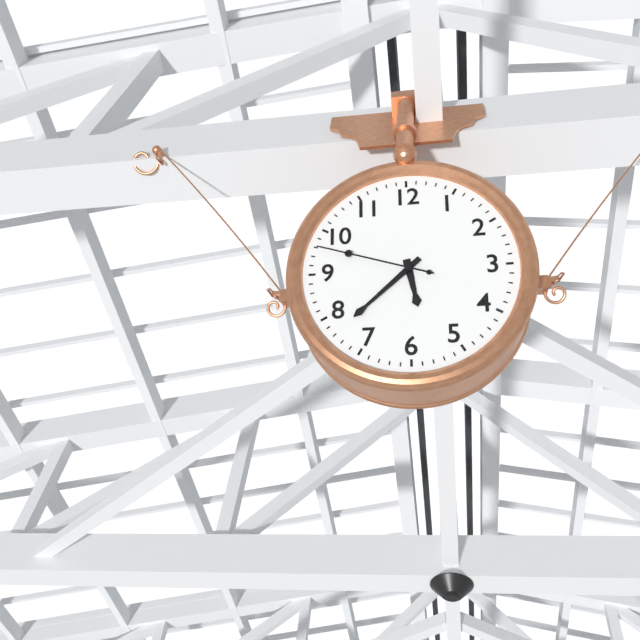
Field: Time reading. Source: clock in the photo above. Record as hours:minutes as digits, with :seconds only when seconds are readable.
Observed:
5:38:48
